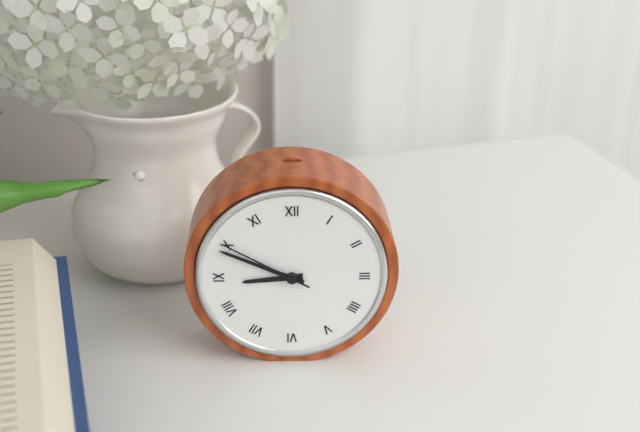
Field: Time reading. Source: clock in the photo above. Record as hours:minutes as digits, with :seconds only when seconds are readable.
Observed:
8:49:50
